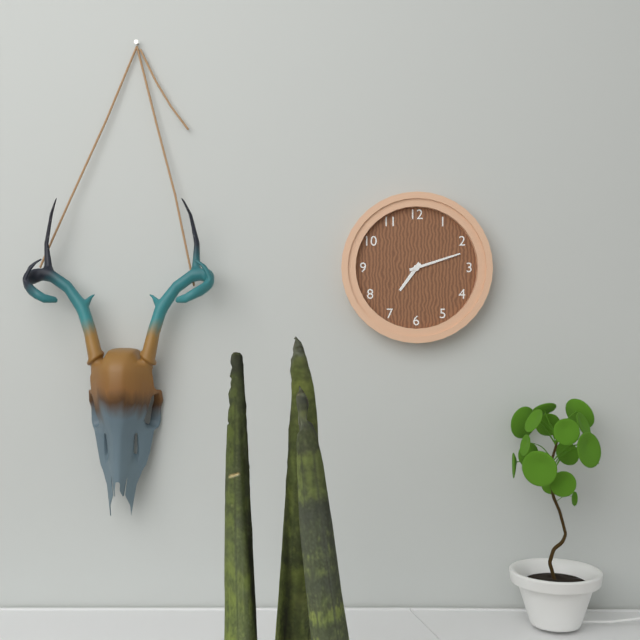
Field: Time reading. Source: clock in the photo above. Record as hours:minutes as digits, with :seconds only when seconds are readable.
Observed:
7:12
